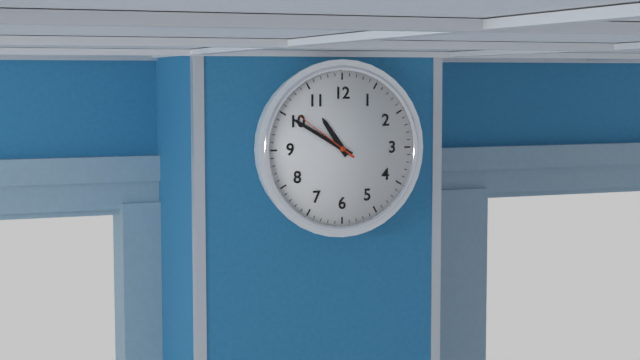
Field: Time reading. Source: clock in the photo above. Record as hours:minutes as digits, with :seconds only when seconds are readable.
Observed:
10:50:51
